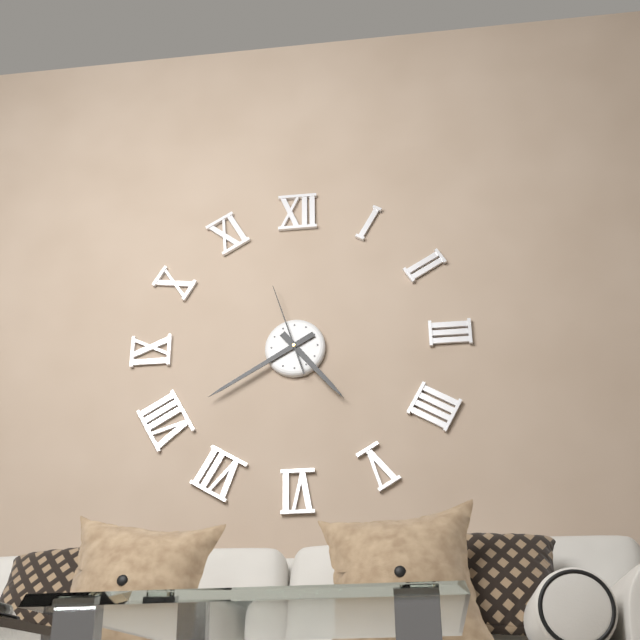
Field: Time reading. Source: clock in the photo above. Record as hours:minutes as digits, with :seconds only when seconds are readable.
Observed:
4:40:57
